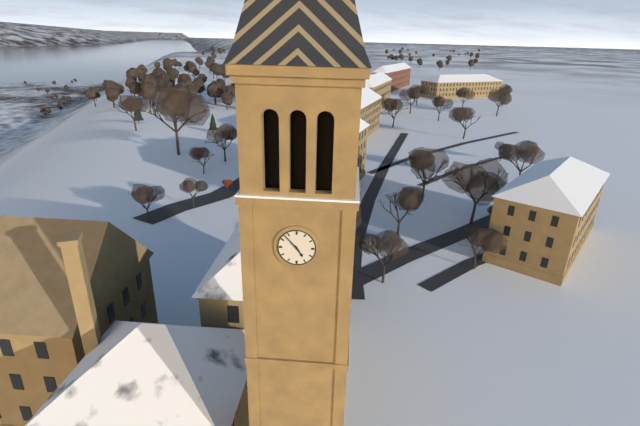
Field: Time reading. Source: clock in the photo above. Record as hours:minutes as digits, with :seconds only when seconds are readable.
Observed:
4:53
